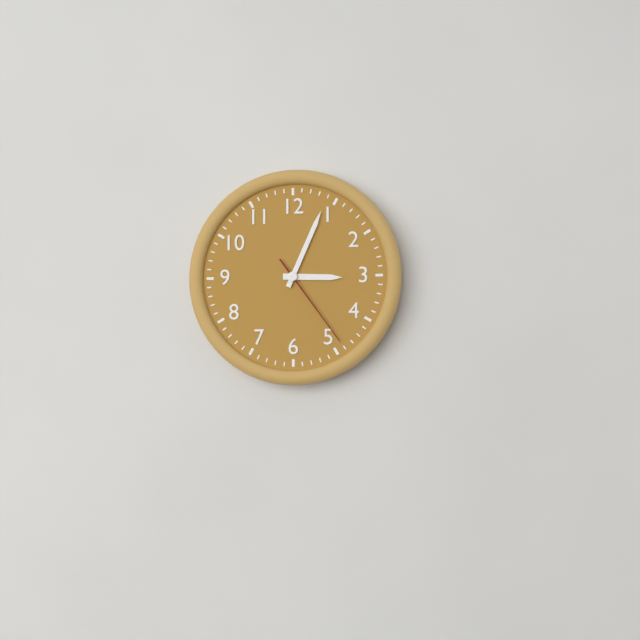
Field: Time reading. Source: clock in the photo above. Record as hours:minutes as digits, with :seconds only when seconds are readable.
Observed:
3:04:24
